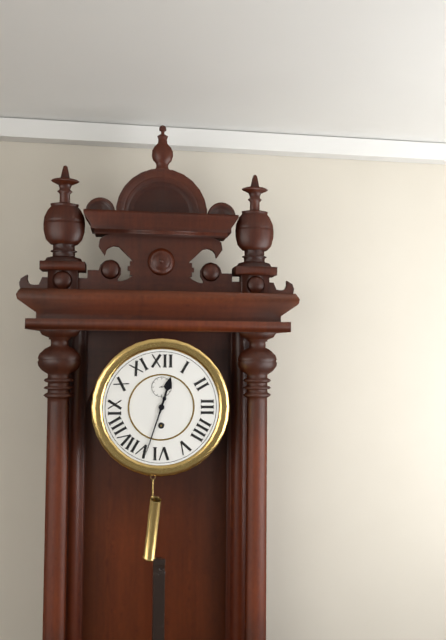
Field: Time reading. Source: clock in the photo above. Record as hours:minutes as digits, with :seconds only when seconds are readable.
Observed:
12:33
